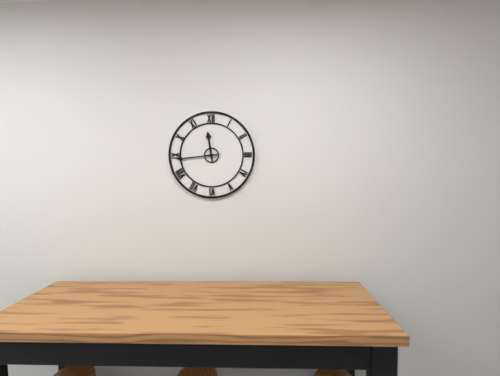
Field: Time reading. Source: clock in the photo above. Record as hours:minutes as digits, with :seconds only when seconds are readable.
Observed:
11:44
